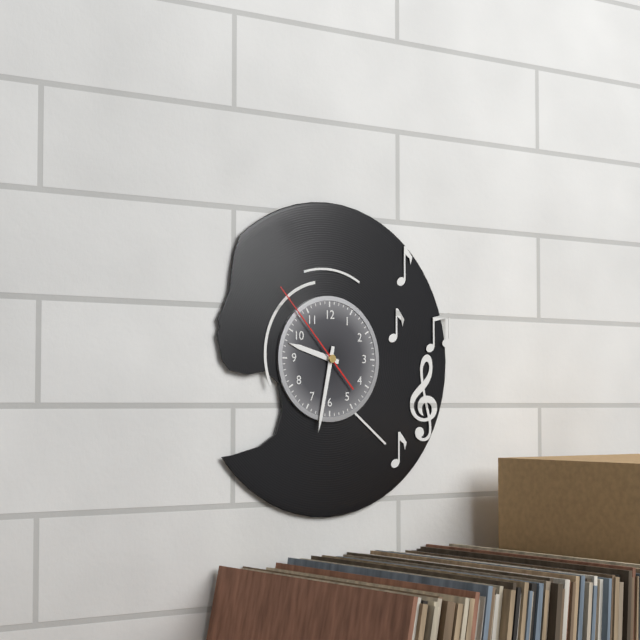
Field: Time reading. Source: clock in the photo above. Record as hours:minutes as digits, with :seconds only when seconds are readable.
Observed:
9:32:53
